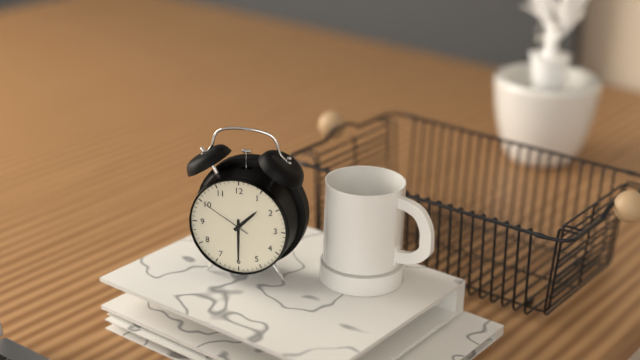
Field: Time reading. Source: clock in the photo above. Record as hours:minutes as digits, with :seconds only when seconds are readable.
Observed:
1:30:50
